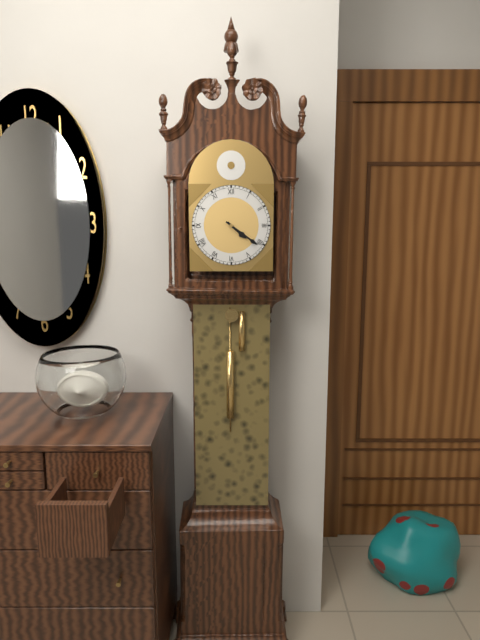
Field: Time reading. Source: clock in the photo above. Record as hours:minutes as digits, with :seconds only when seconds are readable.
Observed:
4:21
